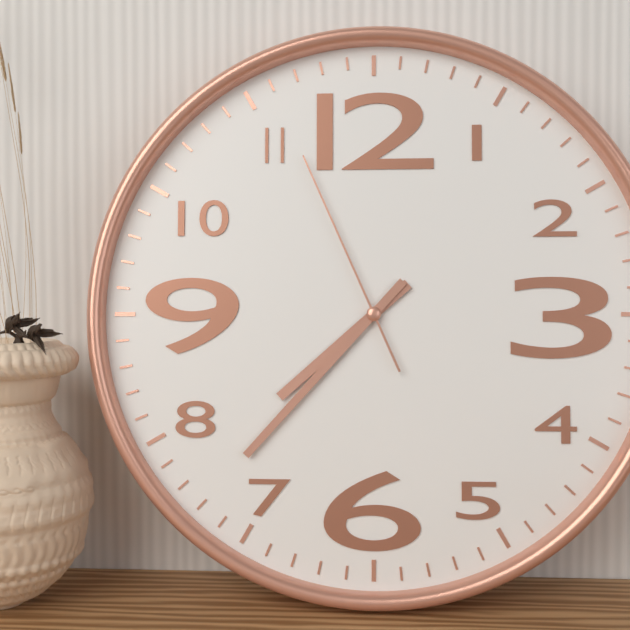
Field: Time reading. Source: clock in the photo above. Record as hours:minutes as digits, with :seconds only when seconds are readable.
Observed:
7:37:56
